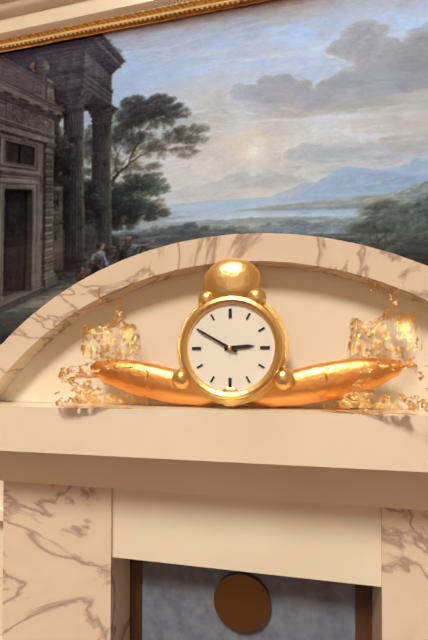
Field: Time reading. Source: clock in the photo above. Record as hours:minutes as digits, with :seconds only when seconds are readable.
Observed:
2:50
